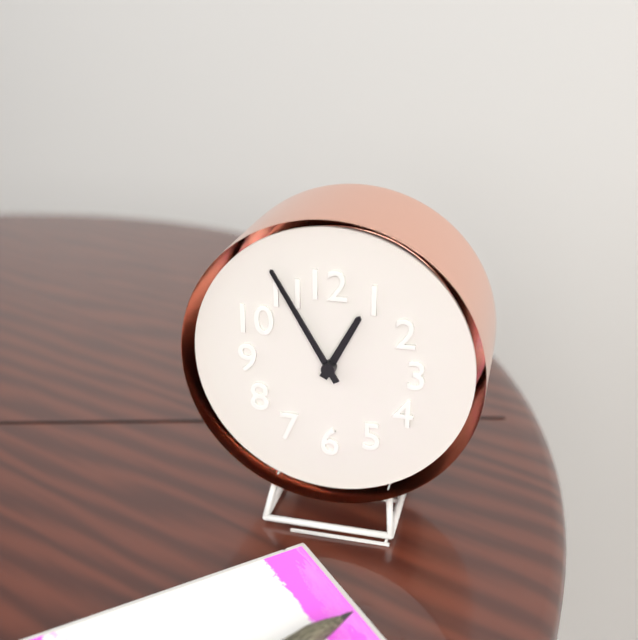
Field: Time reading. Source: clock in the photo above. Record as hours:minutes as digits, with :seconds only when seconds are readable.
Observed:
12:55
